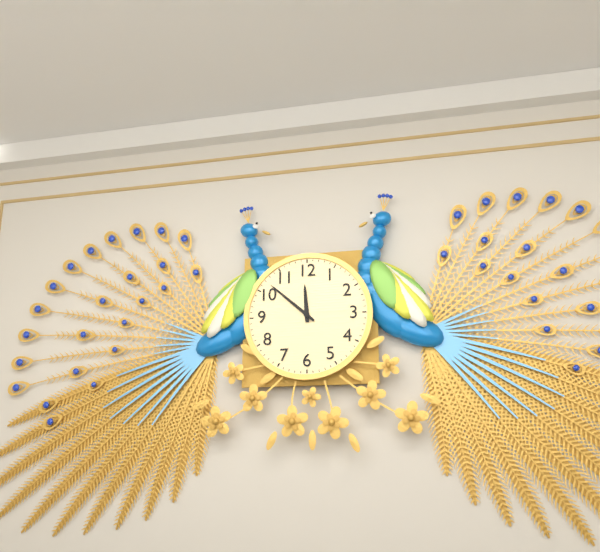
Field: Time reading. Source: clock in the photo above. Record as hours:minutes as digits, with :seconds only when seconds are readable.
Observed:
11:52
